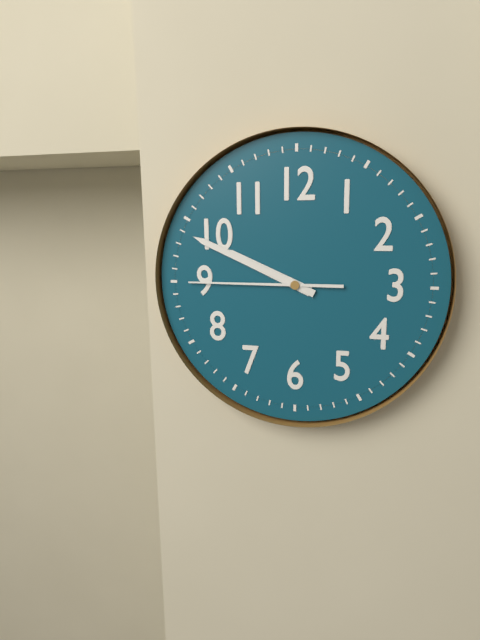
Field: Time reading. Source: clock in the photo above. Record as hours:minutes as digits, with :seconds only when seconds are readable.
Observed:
9:49:45
